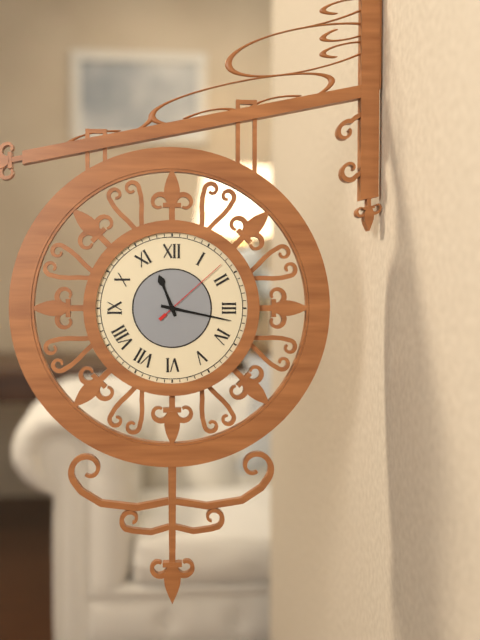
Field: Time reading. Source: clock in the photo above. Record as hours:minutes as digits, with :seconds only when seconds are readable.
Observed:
11:17:08
